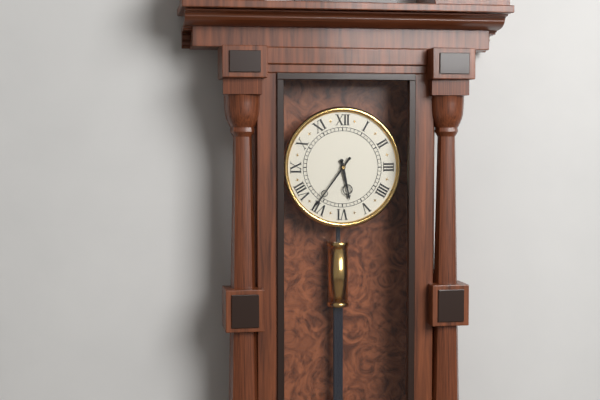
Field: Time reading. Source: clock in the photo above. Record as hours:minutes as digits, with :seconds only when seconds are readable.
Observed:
5:36
